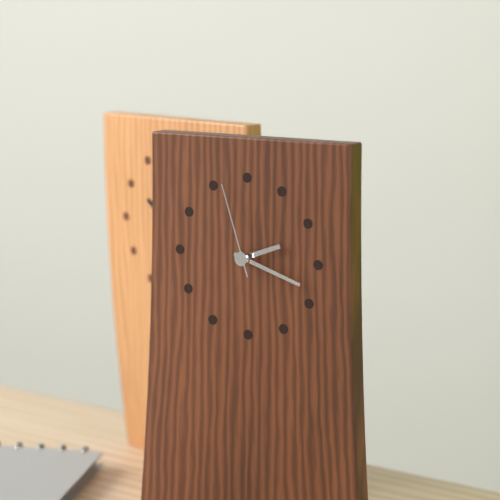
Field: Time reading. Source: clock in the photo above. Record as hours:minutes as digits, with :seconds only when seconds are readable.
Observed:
2:18:57
